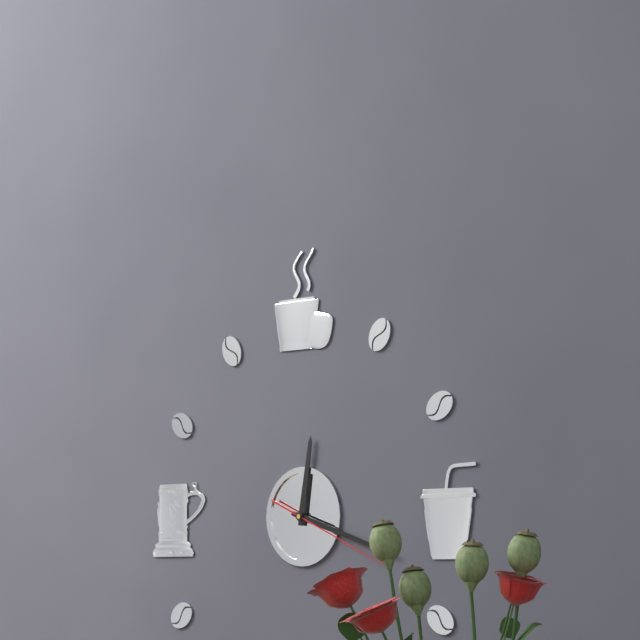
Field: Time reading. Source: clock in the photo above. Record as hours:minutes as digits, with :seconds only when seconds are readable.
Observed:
12:18:19
